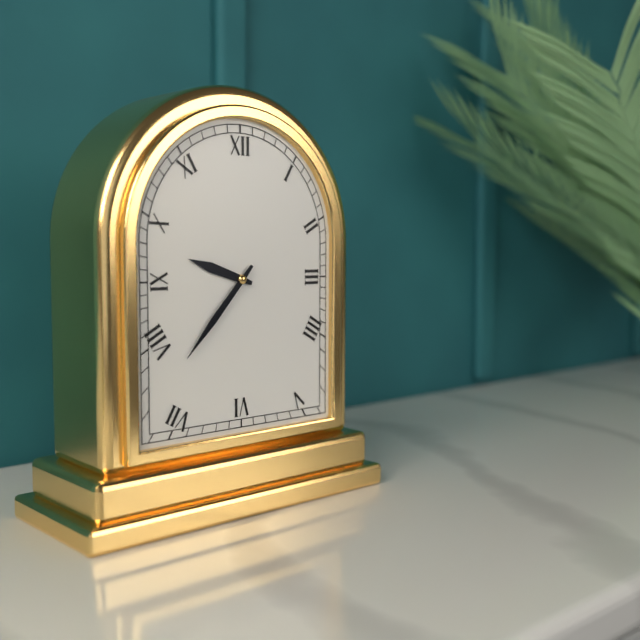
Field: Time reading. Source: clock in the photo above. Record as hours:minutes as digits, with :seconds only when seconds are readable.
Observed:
9:37
